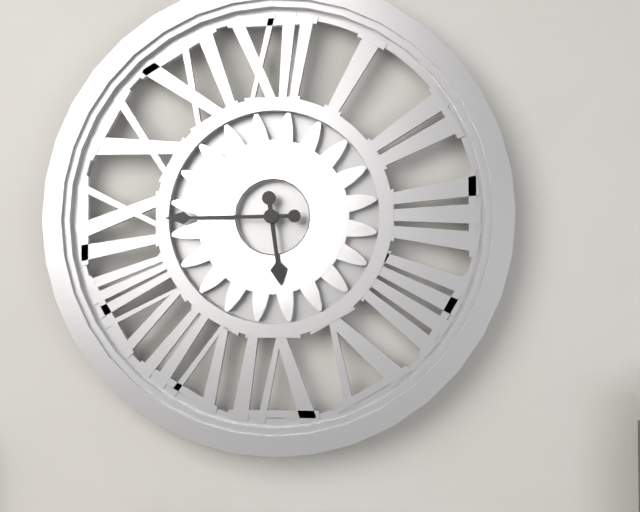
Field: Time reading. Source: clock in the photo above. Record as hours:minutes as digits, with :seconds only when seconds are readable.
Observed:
5:45
